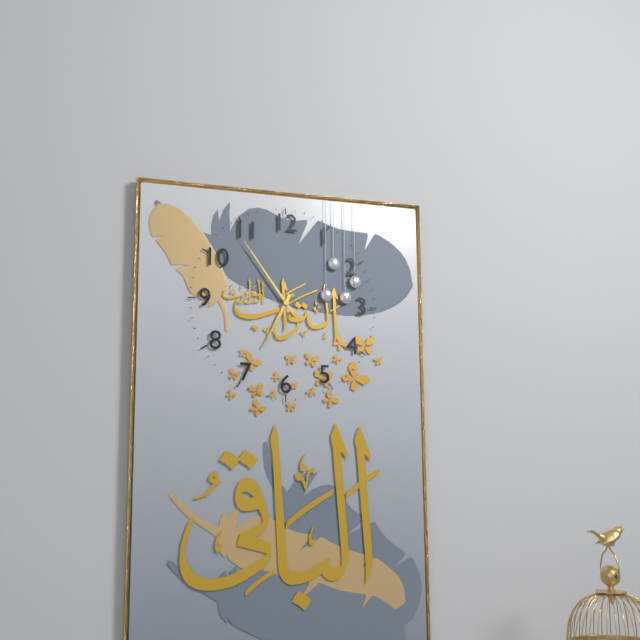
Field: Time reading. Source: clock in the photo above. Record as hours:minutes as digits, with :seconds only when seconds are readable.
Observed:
6:54
